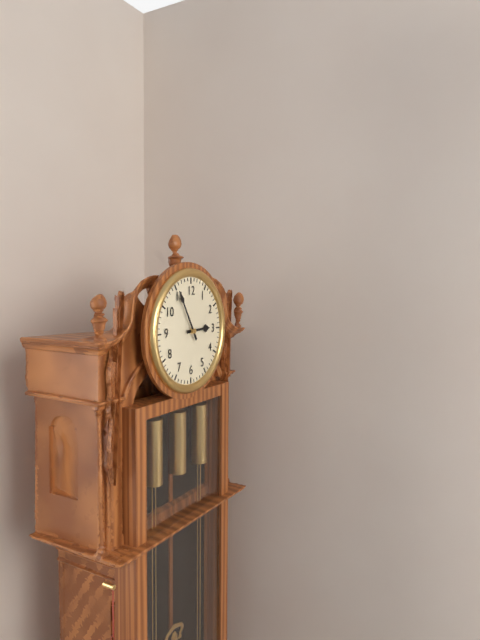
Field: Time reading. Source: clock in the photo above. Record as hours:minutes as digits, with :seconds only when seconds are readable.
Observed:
2:55
